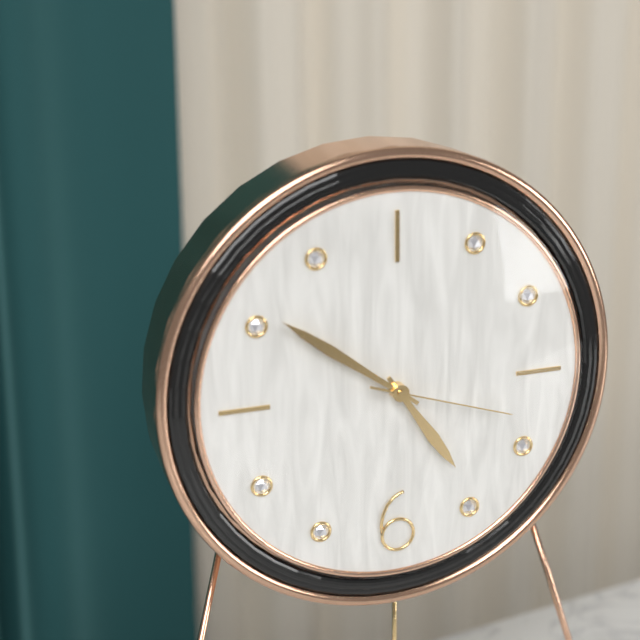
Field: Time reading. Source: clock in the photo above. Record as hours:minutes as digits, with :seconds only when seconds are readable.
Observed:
4:51:18
